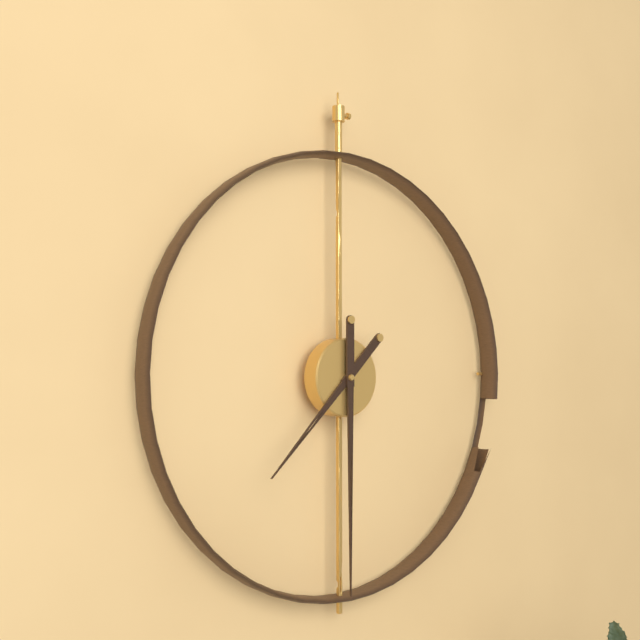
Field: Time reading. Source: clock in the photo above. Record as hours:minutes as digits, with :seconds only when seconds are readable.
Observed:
7:30
